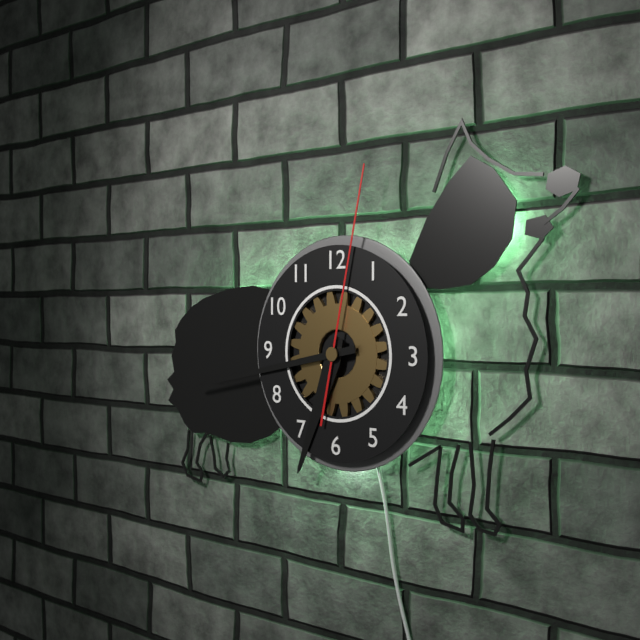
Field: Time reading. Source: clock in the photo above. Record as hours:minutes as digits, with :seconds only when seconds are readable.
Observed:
6:43:02
